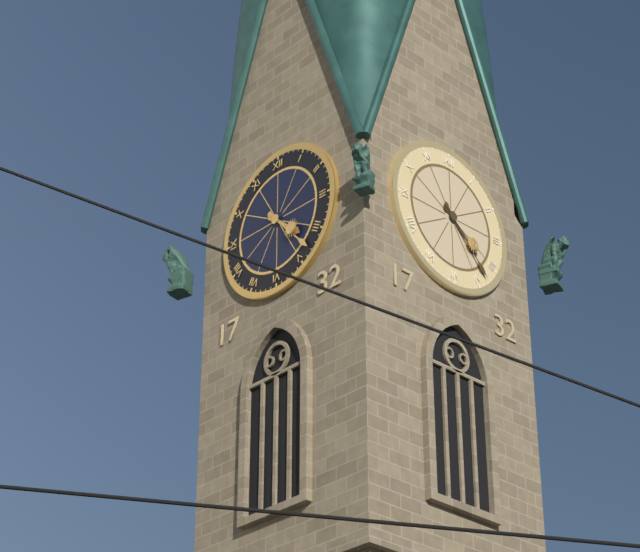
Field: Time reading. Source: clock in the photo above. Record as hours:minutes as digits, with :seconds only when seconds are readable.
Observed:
4:23
